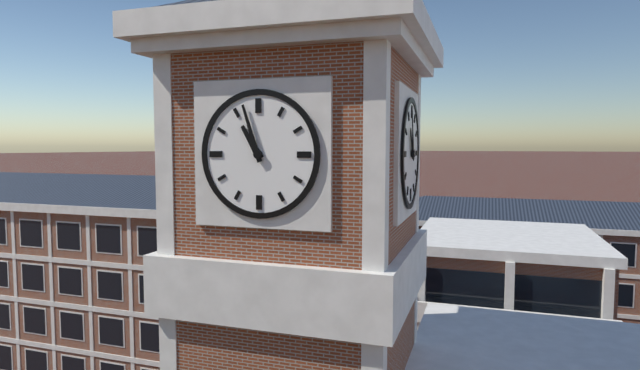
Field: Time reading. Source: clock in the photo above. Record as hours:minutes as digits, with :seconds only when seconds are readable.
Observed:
10:57
